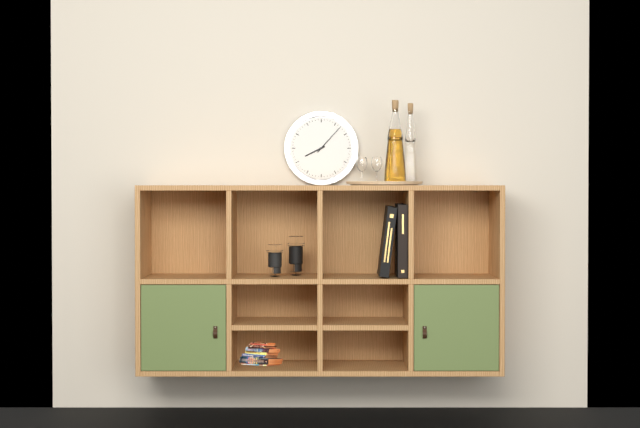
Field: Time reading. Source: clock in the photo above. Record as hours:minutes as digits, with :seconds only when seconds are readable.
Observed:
8:07
